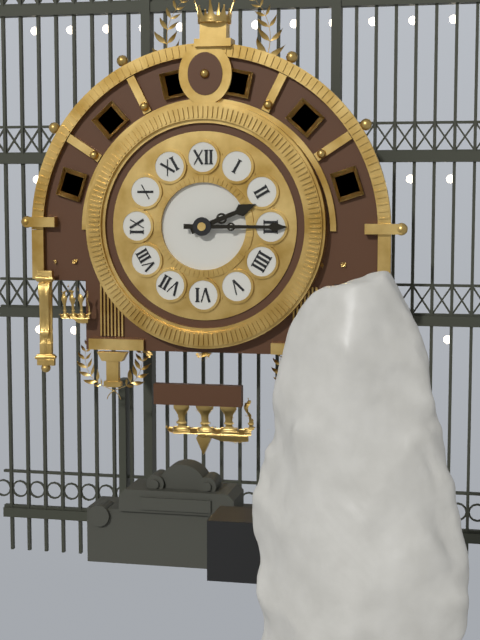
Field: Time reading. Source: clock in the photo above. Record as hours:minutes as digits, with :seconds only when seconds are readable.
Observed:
2:15
